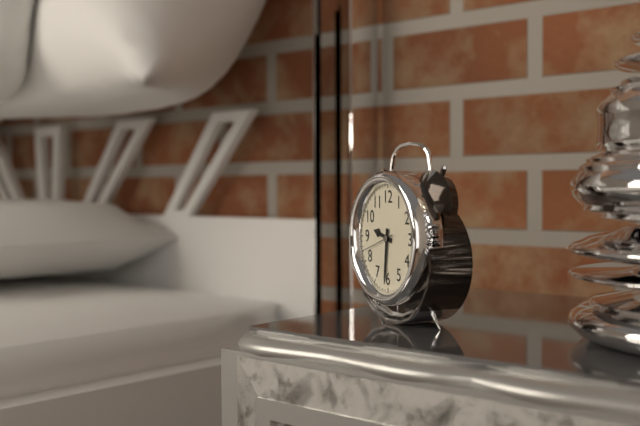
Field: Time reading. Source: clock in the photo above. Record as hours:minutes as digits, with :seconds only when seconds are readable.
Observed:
9:31
